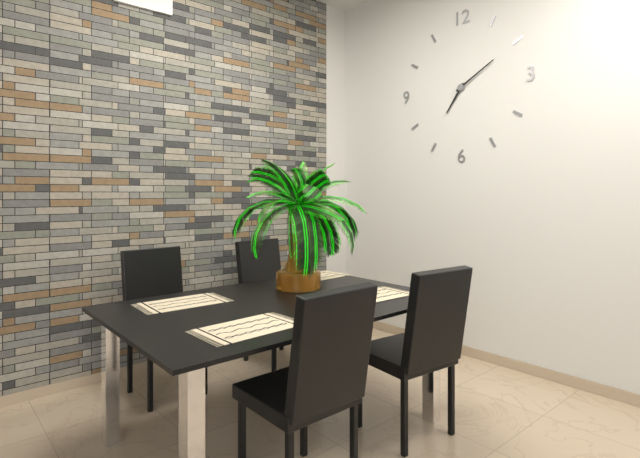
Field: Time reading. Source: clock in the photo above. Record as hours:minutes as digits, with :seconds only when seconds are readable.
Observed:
7:10
